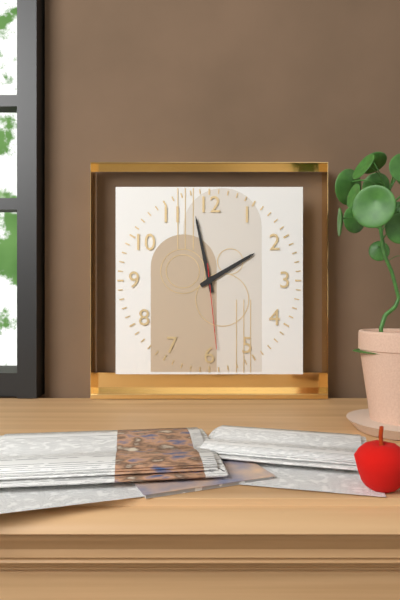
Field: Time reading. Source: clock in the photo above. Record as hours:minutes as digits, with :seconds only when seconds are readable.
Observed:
1:58:29
